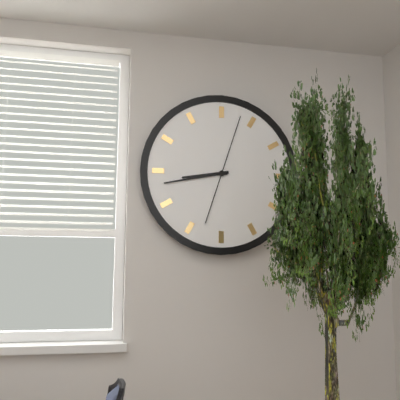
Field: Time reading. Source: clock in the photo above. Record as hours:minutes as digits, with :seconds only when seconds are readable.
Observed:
8:43:03
